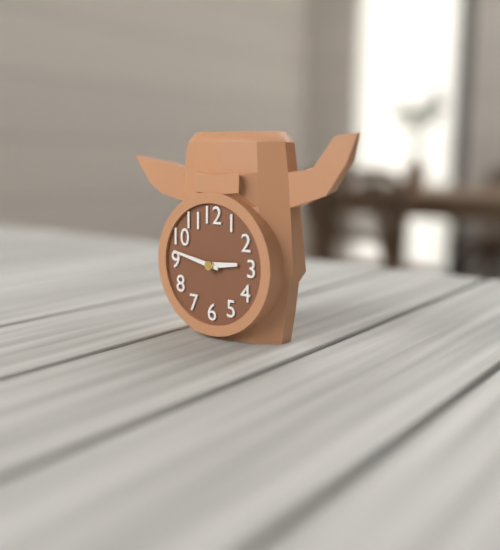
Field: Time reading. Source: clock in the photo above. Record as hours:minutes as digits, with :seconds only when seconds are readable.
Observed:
2:47
